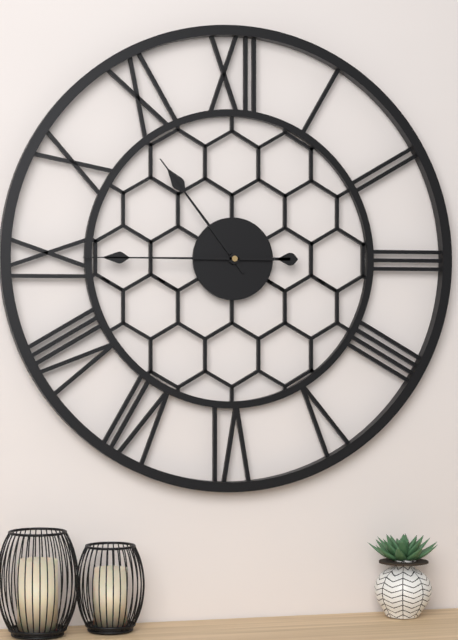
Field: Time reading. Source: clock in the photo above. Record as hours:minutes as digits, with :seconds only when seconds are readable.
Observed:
10:45
